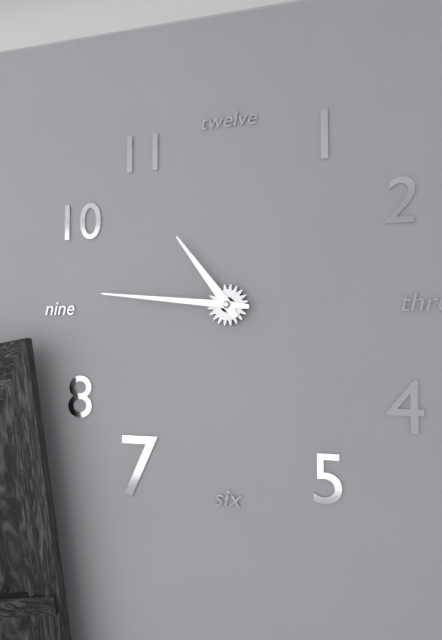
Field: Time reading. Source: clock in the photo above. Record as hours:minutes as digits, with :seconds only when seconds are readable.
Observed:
10:46
